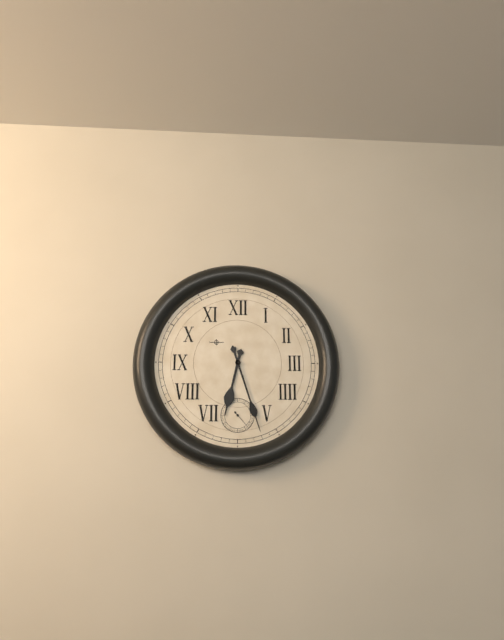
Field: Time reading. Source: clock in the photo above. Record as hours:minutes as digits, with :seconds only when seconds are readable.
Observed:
6:27
